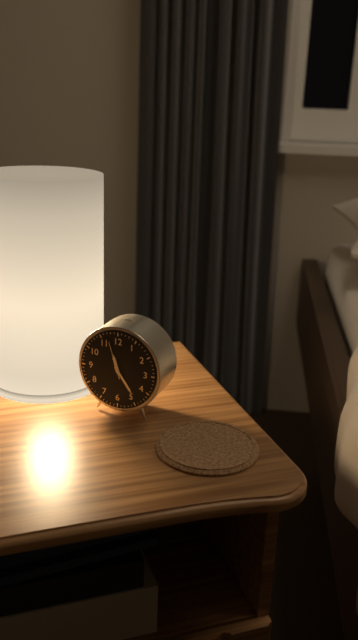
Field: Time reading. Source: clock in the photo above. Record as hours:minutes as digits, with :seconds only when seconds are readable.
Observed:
11:24
